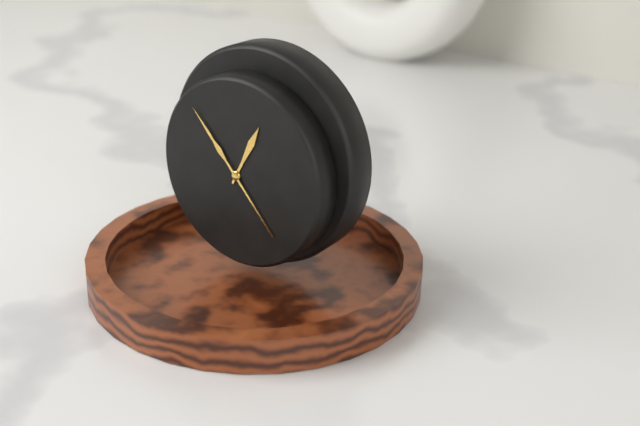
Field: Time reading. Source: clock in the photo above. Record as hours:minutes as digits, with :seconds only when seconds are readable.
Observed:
12:53
